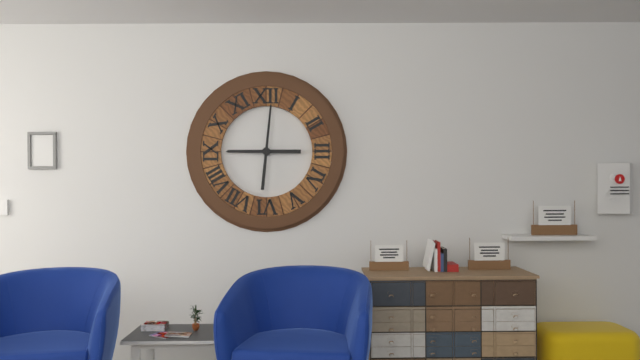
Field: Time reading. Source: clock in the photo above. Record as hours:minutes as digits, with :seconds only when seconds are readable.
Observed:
9:01
